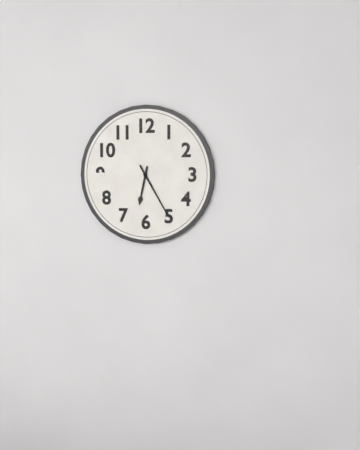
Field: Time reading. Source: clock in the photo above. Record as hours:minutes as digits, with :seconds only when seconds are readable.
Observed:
6:25
